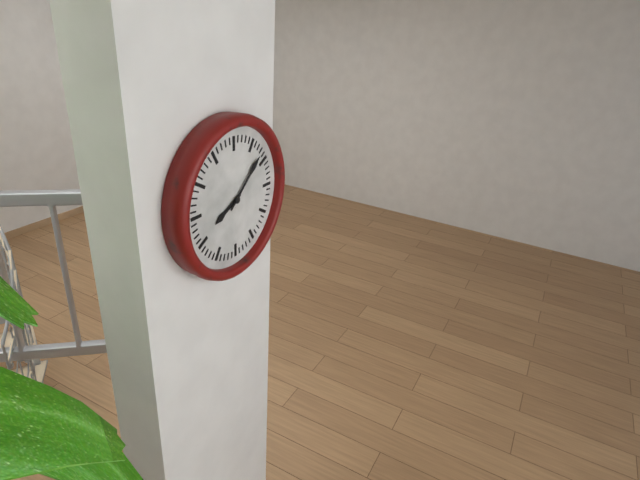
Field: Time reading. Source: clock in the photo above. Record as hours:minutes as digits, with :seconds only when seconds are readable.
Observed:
8:08
